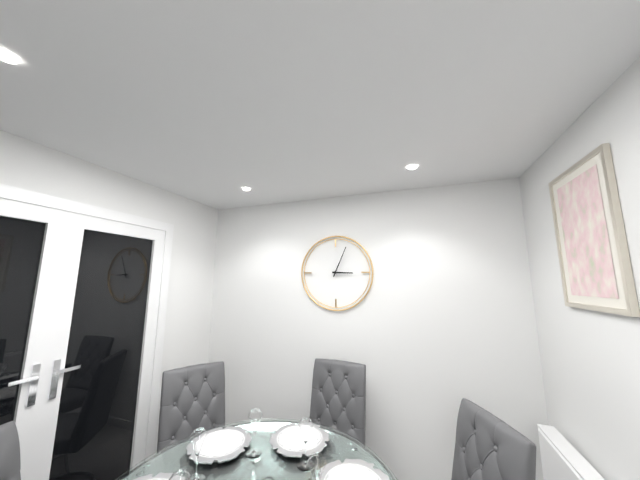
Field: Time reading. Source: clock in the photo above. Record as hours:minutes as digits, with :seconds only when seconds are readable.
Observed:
3:04
